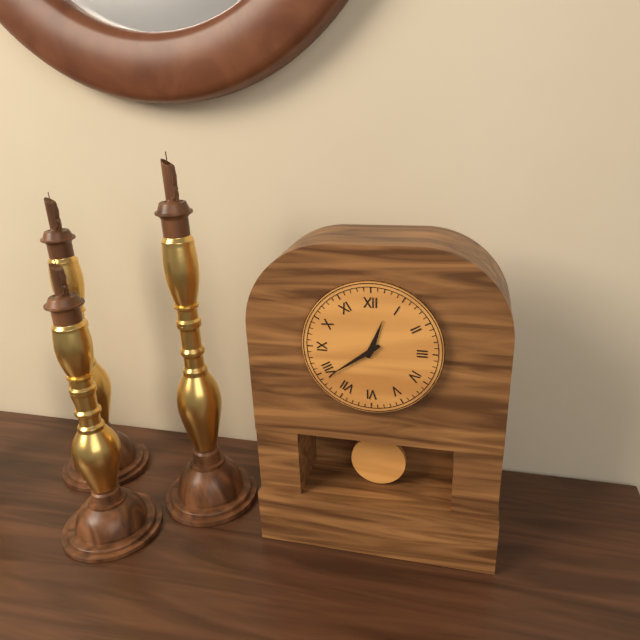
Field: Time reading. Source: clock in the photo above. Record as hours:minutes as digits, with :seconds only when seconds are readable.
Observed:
12:39
